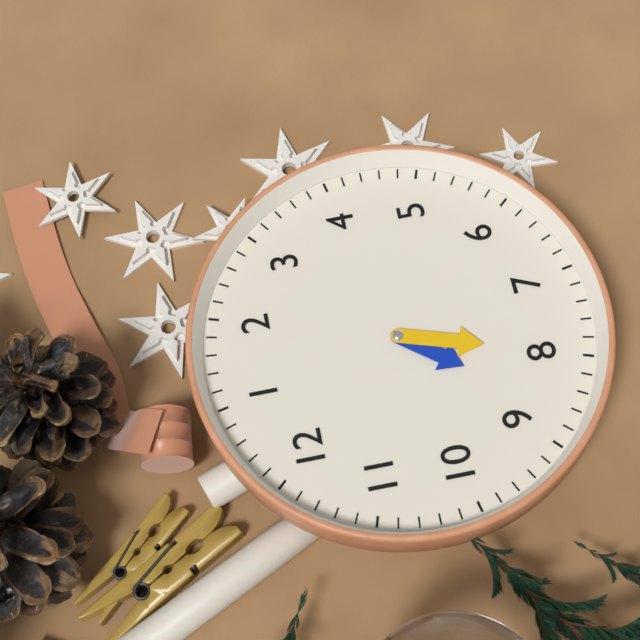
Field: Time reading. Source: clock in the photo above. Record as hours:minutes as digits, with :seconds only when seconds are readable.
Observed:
8:40
